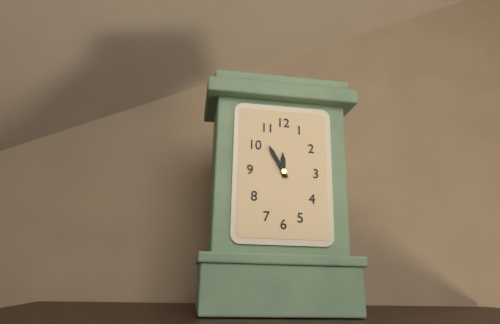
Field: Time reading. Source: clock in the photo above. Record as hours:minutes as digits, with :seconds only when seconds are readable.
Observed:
11:55
